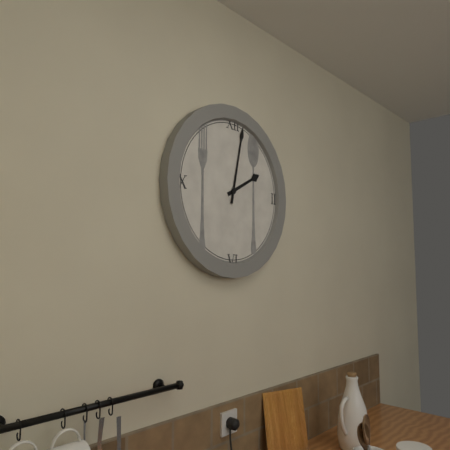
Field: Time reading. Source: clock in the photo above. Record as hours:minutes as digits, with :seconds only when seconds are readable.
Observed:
2:02
